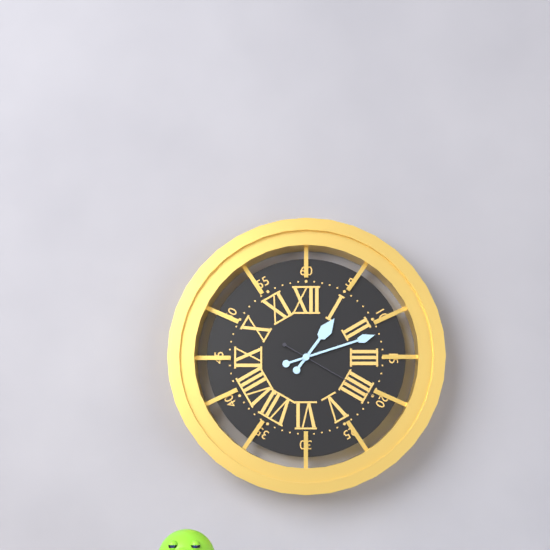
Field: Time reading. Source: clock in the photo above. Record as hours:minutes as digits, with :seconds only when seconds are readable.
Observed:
1:12:20
